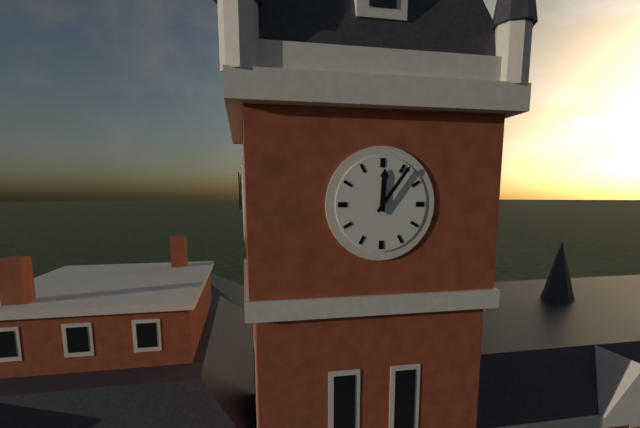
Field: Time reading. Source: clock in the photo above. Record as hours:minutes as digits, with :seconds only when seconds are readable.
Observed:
12:06
